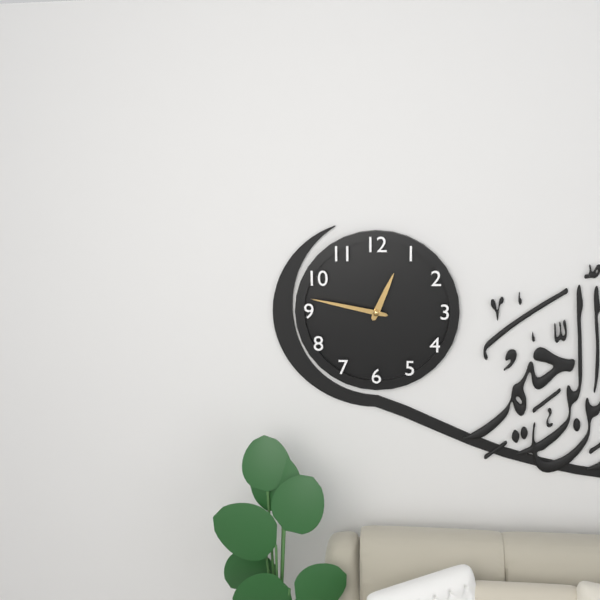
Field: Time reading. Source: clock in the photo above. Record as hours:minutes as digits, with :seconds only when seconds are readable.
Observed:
12:47
